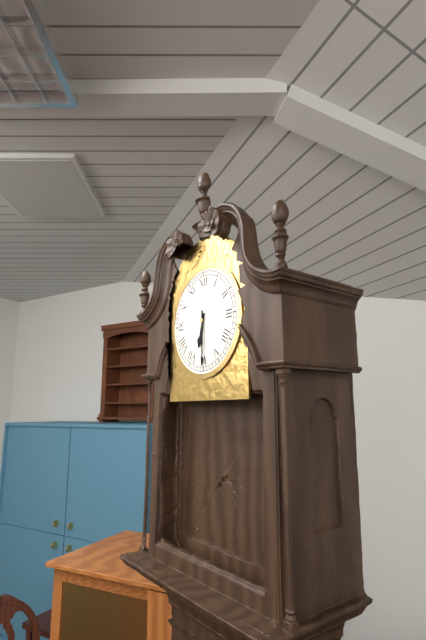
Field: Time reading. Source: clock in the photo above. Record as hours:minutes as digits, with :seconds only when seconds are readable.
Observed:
6:30
